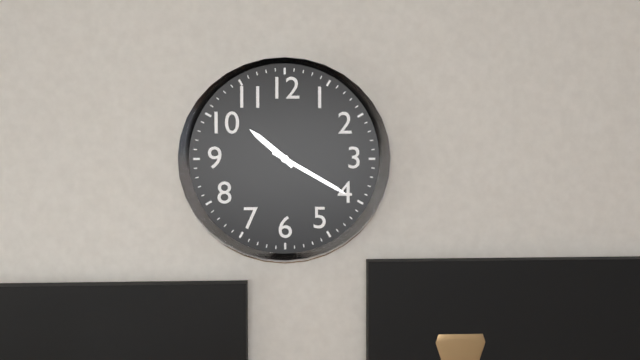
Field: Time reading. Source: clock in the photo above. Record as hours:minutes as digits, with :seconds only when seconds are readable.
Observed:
10:20
